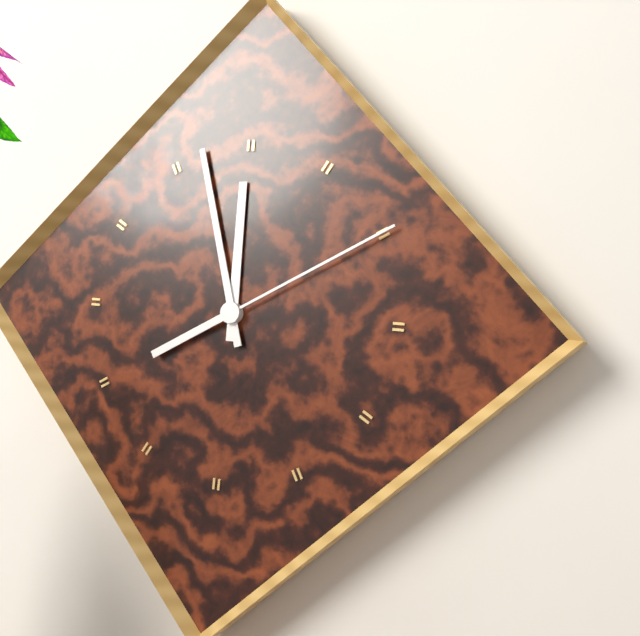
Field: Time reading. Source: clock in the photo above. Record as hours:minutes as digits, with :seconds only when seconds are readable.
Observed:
11:57:10
